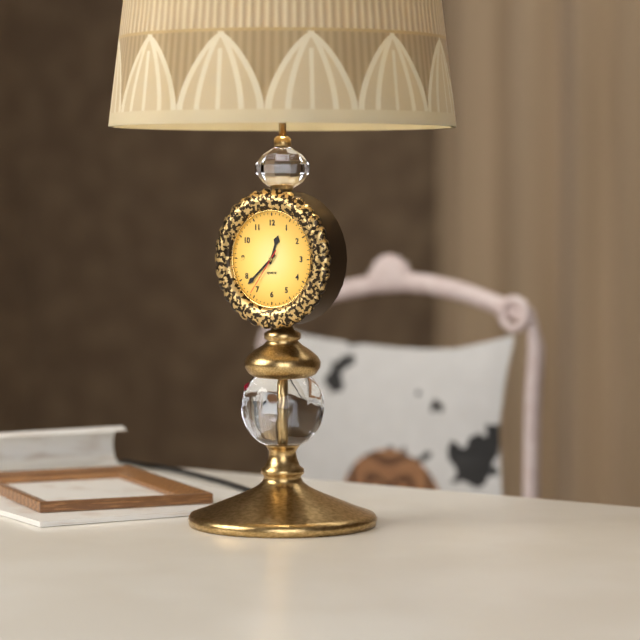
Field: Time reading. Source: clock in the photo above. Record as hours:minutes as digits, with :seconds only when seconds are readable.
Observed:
12:38
